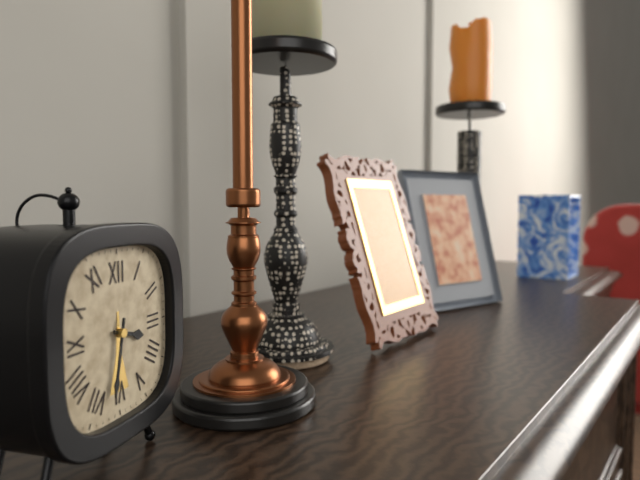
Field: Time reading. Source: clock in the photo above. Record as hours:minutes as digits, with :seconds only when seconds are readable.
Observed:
3:32
